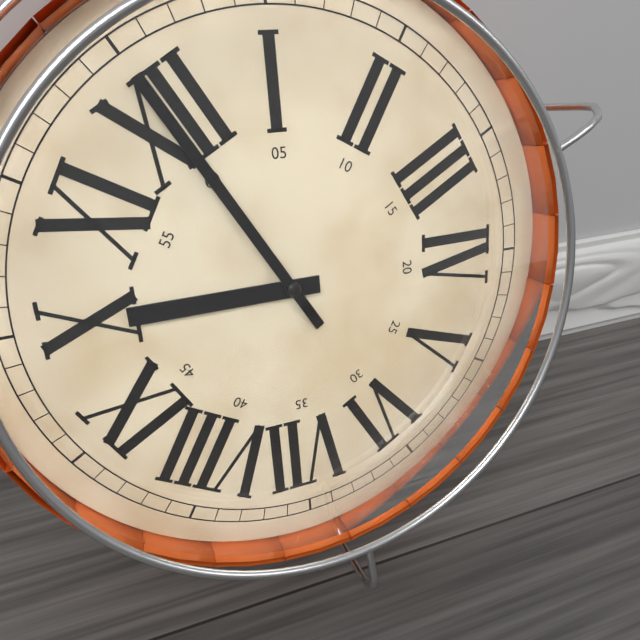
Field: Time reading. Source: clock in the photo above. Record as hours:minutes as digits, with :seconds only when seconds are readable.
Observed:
10:00
